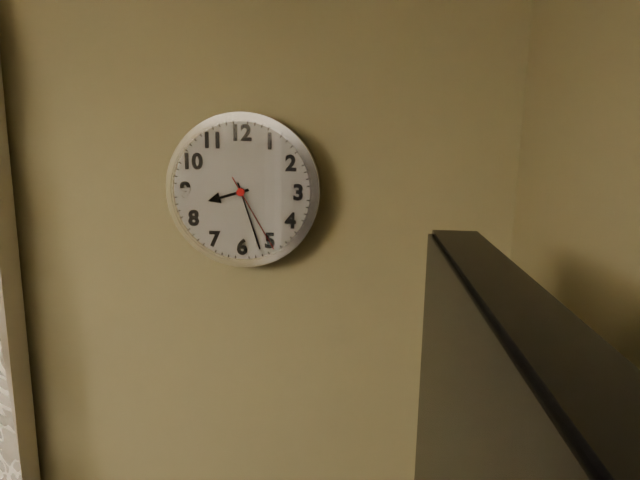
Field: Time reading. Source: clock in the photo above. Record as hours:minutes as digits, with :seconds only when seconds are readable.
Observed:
8:27:25
